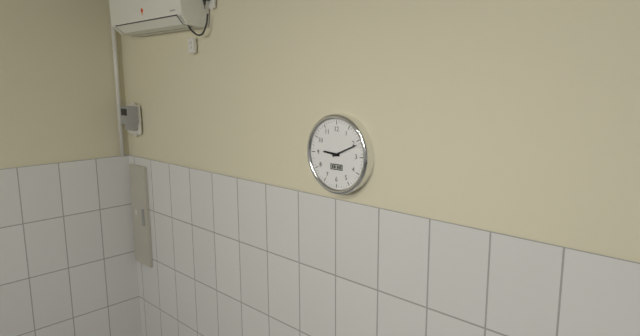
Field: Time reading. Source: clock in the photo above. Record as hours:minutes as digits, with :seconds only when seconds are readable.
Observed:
9:11
